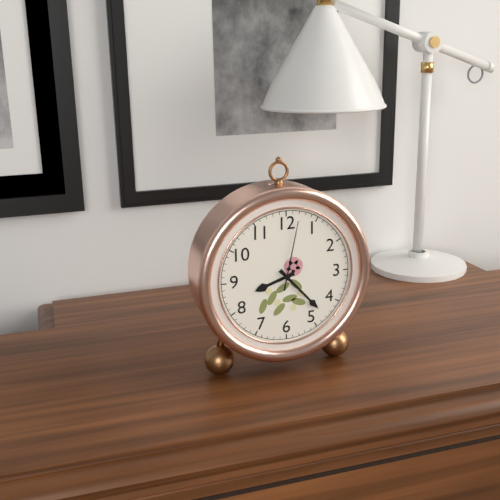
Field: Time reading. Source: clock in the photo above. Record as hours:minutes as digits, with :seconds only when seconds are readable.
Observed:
8:23:02
